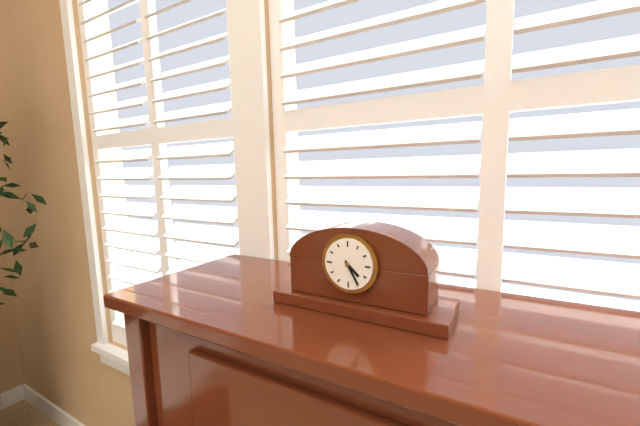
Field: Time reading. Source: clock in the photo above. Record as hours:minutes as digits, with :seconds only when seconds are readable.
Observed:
4:25
